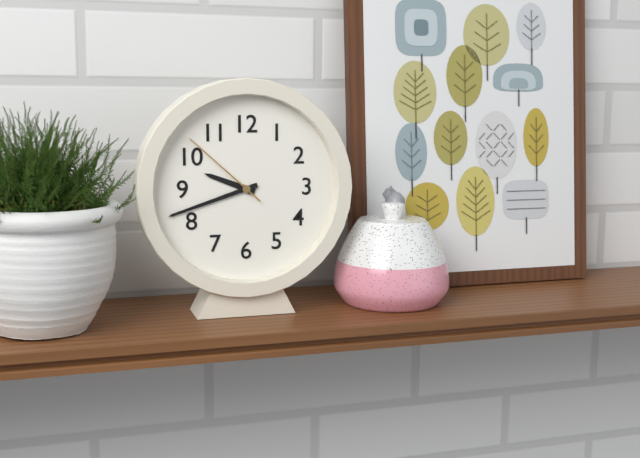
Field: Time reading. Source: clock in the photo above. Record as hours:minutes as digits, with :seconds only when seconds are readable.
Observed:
9:42:52
